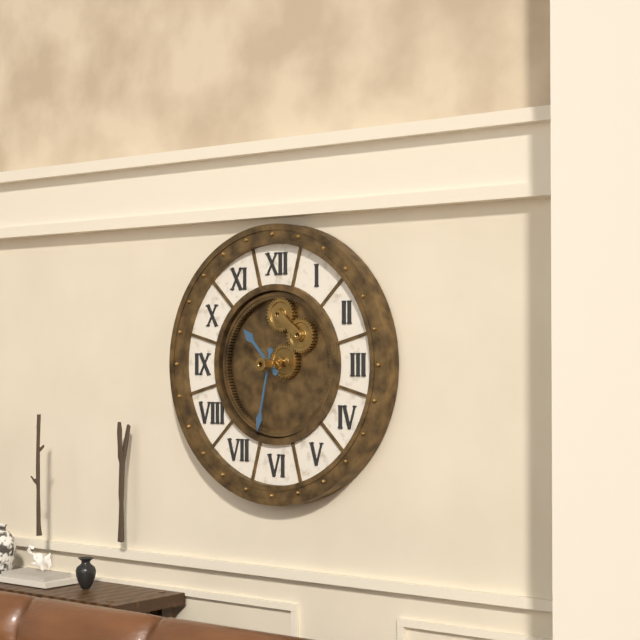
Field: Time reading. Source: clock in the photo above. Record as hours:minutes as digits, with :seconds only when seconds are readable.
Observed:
10:32
